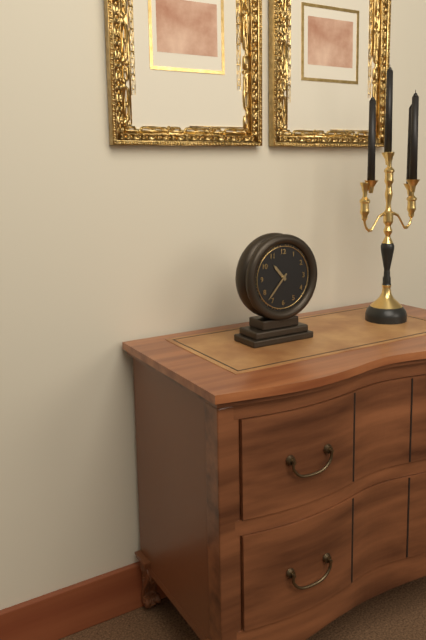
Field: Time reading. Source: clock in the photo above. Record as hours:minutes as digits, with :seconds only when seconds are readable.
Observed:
10:37
